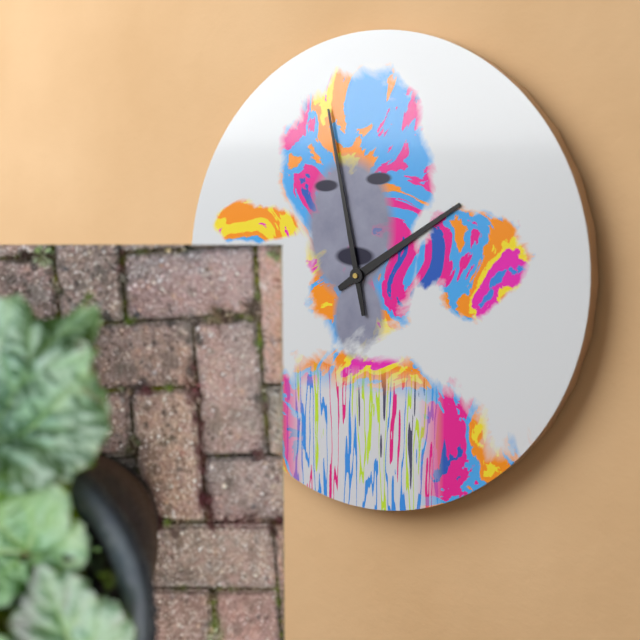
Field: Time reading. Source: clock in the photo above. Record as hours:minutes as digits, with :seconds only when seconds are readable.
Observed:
1:58
